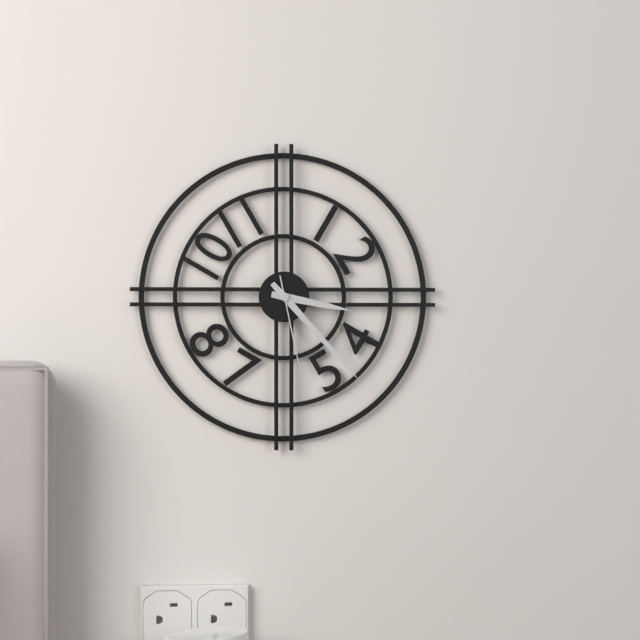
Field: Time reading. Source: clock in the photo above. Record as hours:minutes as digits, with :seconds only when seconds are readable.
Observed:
3:23:28
